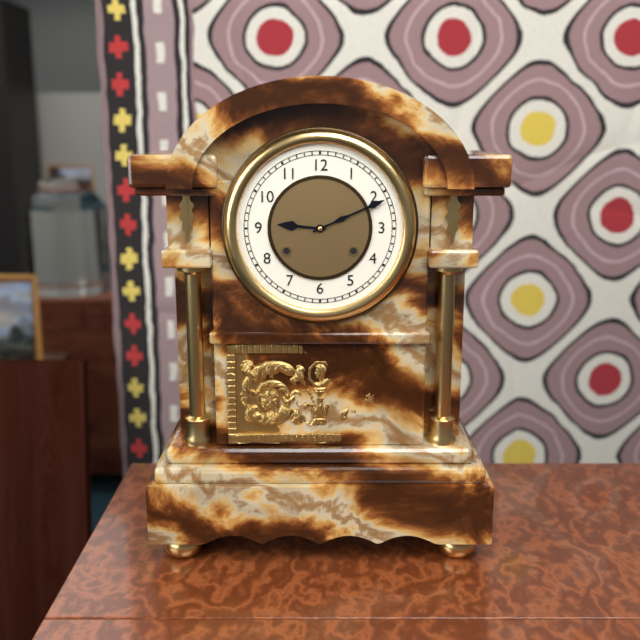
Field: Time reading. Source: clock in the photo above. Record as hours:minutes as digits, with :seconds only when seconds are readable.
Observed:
9:11
